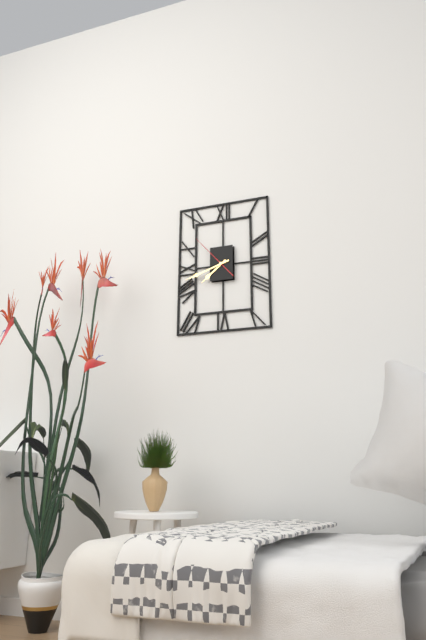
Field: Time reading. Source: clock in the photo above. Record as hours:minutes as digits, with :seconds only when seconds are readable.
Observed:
7:42
